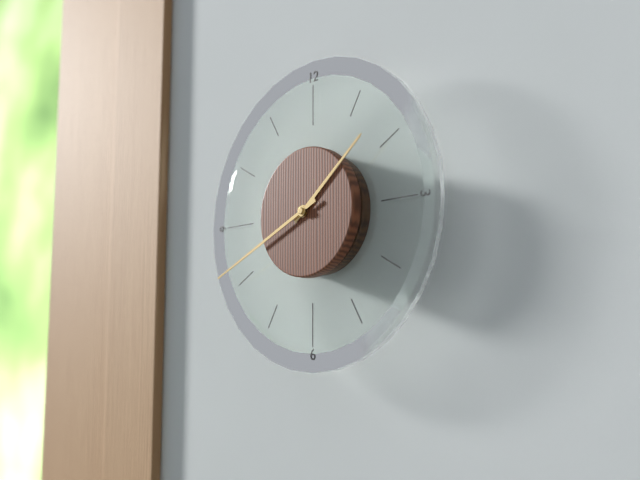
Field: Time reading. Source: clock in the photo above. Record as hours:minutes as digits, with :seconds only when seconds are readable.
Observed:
1:41
